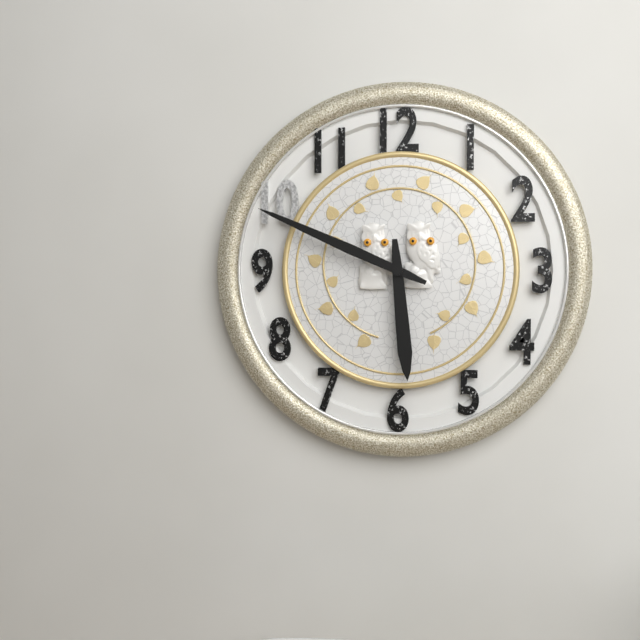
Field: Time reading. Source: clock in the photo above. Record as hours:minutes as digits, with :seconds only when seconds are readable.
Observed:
5:49
